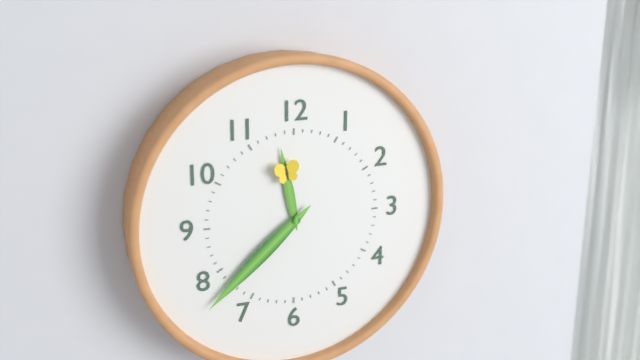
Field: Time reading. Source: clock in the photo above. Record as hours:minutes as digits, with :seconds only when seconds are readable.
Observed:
11:38
